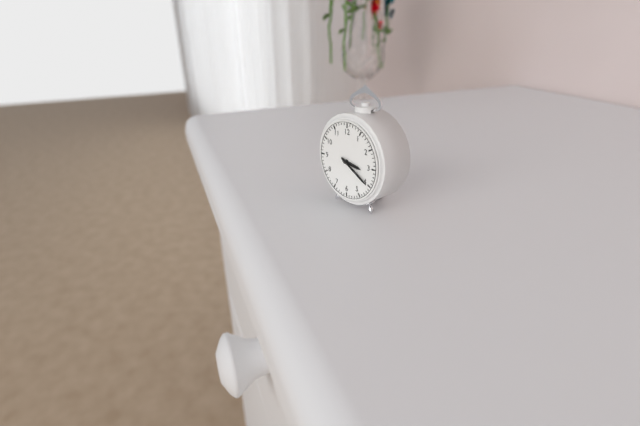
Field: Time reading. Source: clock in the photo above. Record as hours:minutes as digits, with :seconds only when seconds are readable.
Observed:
3:20
